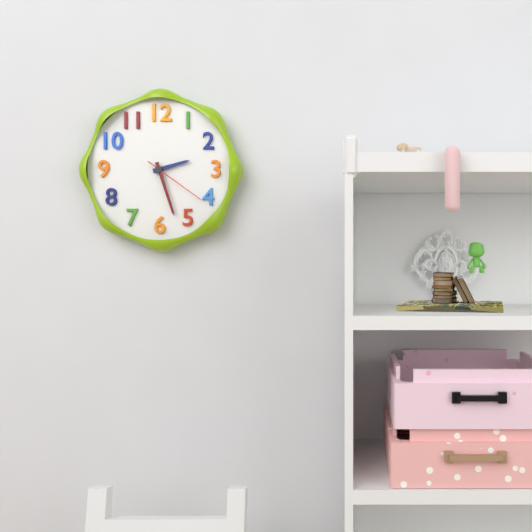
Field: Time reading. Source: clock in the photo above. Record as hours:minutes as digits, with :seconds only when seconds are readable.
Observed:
2:27:21
